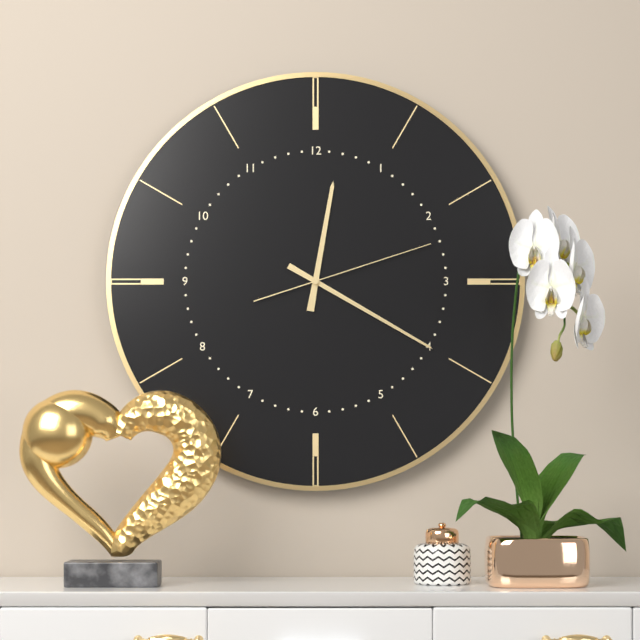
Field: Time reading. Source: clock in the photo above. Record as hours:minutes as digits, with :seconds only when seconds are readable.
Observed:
12:20:12
